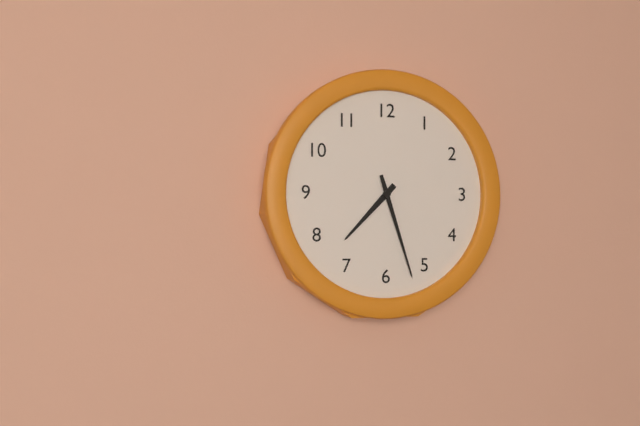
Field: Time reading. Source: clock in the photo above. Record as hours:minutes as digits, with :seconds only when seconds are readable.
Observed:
7:27
